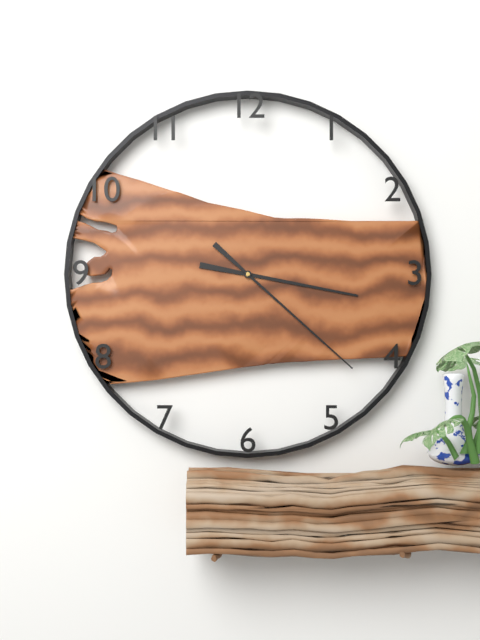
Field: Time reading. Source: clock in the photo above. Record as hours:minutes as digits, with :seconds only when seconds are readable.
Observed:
3:22
